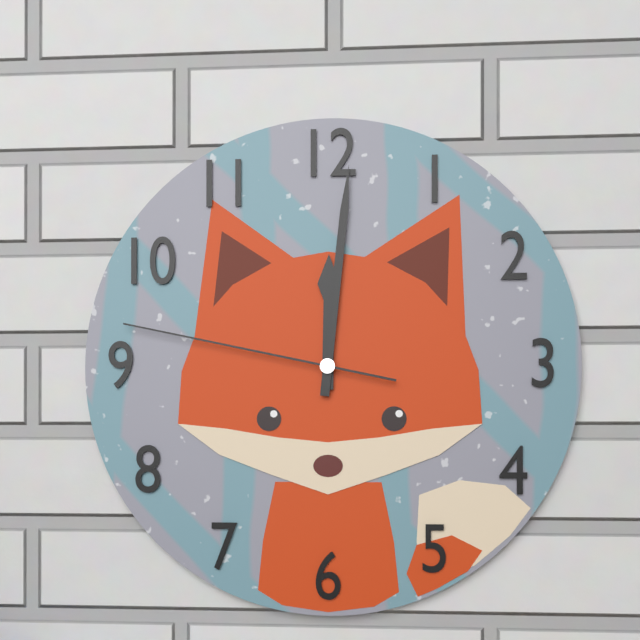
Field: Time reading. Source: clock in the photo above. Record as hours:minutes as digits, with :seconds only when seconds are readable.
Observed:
12:01:47
